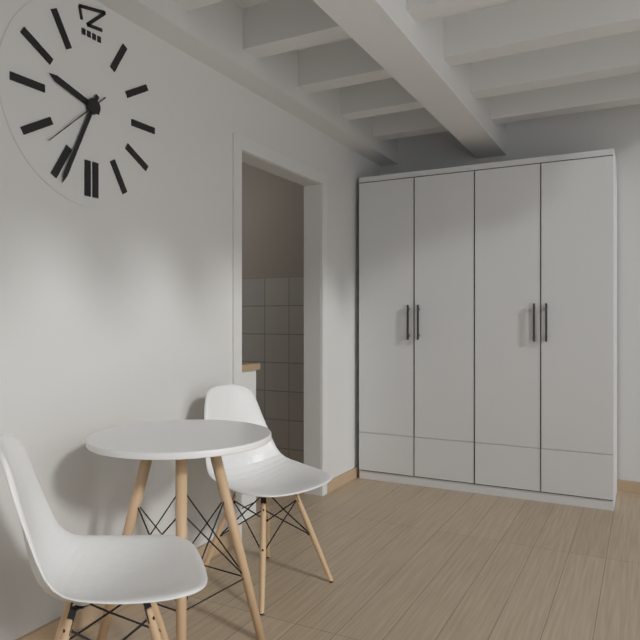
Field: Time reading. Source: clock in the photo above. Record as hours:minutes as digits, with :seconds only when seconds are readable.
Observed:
9:34:38
